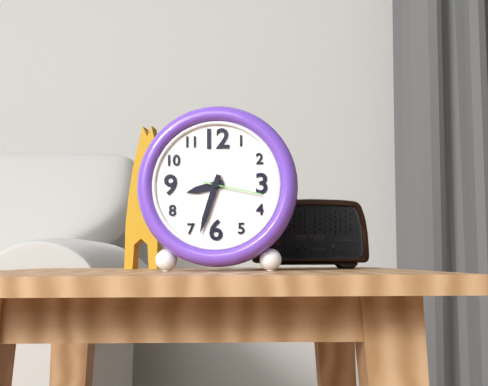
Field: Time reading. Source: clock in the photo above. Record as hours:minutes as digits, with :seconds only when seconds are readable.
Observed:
8:33:17
